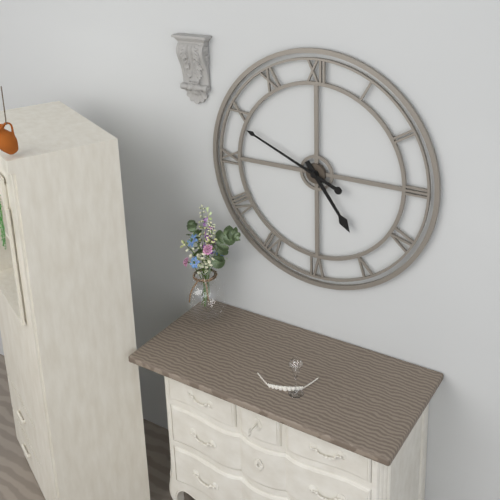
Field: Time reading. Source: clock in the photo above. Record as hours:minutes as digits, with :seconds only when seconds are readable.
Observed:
4:49
